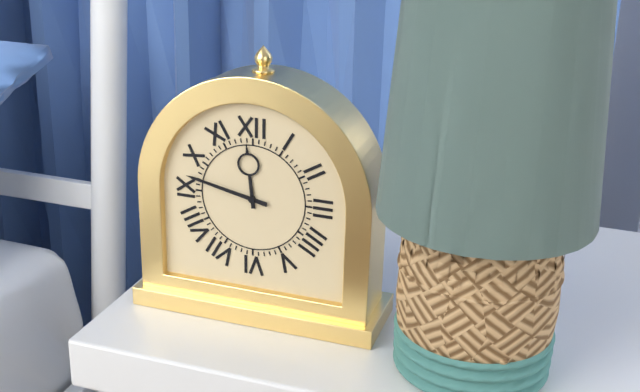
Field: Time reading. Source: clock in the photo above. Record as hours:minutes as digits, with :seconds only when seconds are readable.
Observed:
11:47
